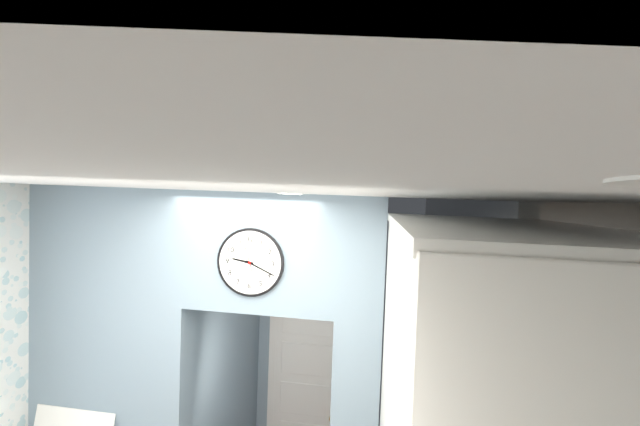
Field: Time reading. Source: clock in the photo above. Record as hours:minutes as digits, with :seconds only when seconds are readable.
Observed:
9:19
